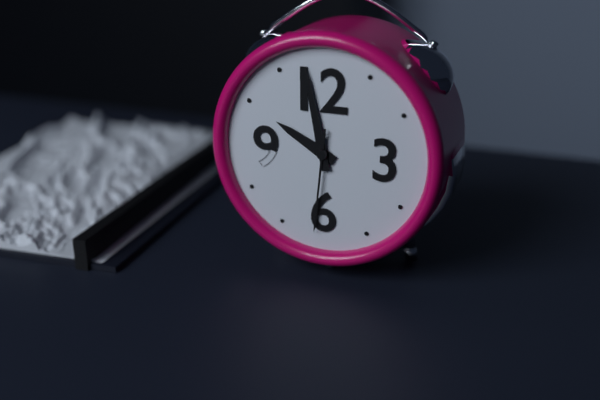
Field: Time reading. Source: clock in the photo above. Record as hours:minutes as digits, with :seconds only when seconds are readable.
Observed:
9:58:31
